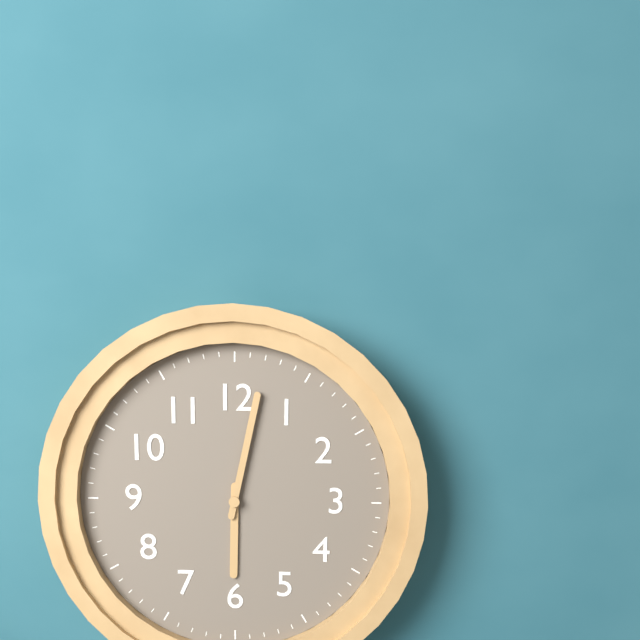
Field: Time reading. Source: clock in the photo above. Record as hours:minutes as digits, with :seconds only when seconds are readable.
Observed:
6:02
